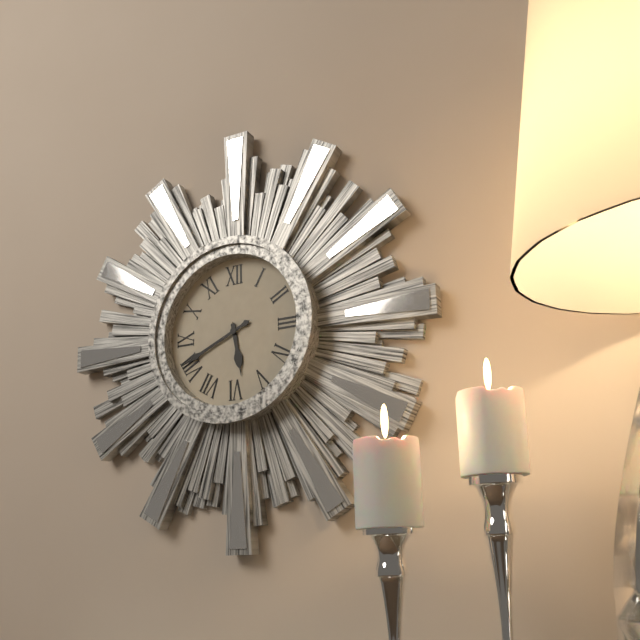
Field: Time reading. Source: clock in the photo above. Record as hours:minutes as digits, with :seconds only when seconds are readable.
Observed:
5:41
